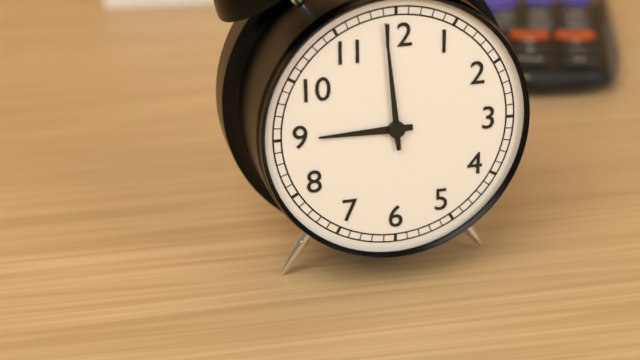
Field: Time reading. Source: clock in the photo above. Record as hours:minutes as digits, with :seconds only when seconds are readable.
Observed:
8:59
